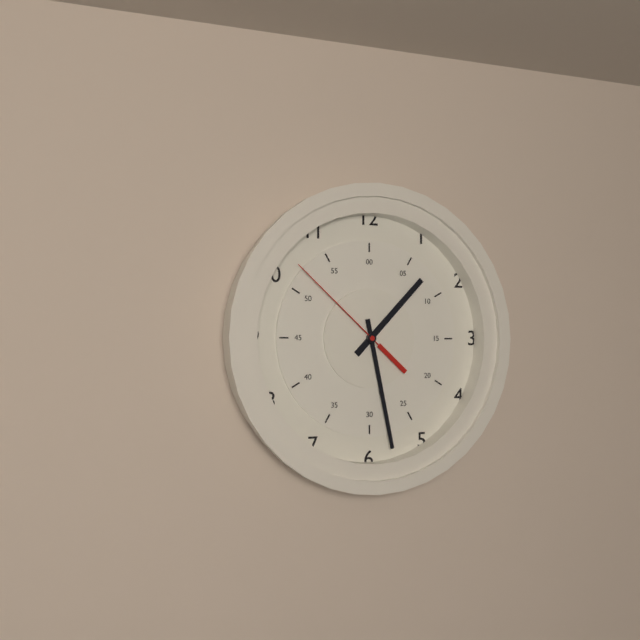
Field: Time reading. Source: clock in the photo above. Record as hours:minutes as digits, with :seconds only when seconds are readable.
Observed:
1:28:52
